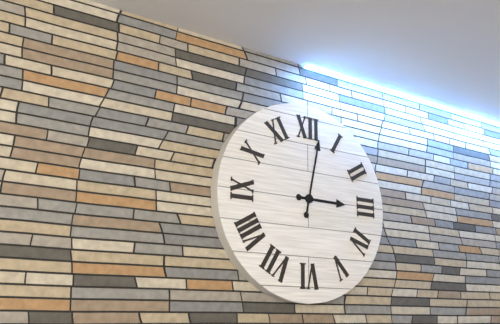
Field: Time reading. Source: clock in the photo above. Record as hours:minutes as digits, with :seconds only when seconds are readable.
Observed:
3:02
